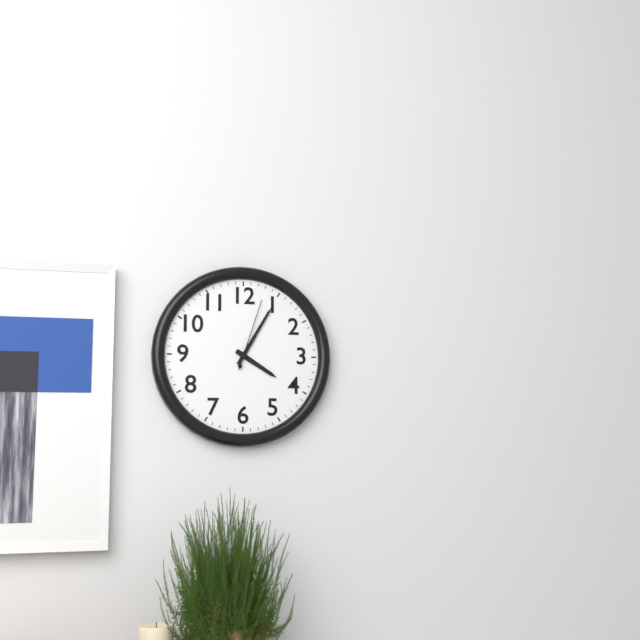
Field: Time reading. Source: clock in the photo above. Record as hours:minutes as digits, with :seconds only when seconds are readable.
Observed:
4:05:03
